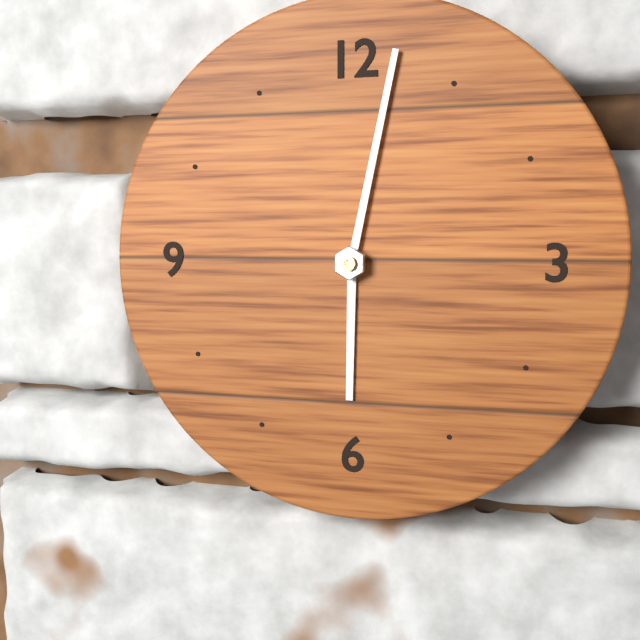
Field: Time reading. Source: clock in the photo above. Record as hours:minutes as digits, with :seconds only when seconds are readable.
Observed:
6:02
